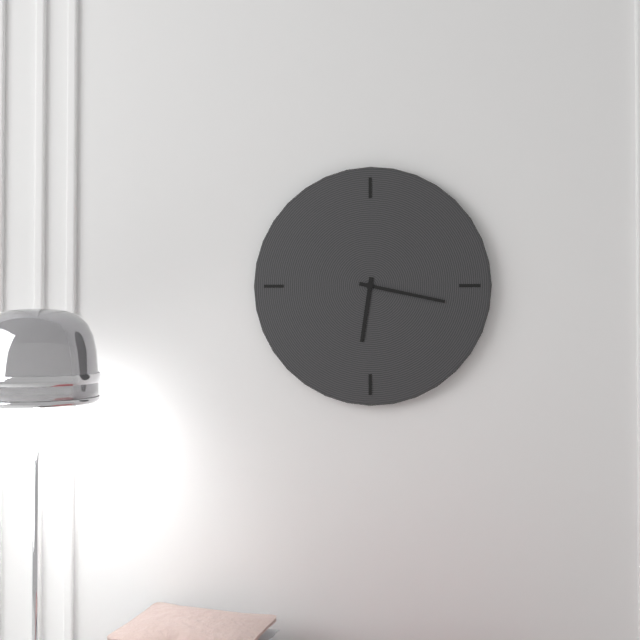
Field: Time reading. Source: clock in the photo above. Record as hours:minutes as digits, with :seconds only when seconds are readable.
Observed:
6:17
